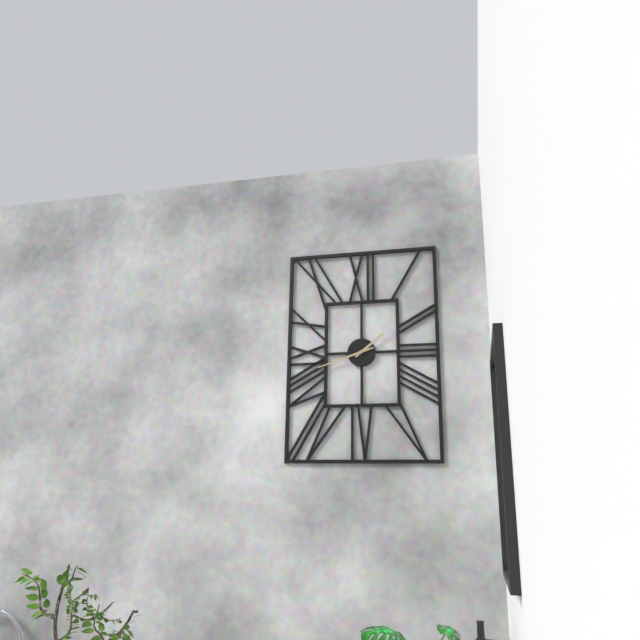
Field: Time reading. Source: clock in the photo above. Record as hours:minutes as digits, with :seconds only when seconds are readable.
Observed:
1:42
